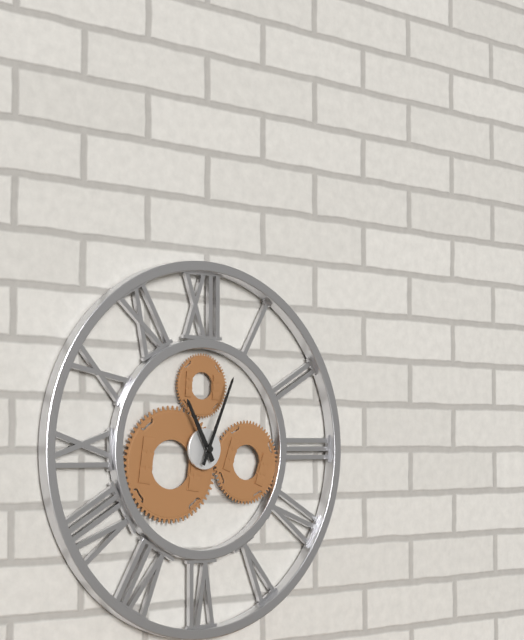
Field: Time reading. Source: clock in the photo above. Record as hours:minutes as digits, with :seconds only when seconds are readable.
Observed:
11:04
